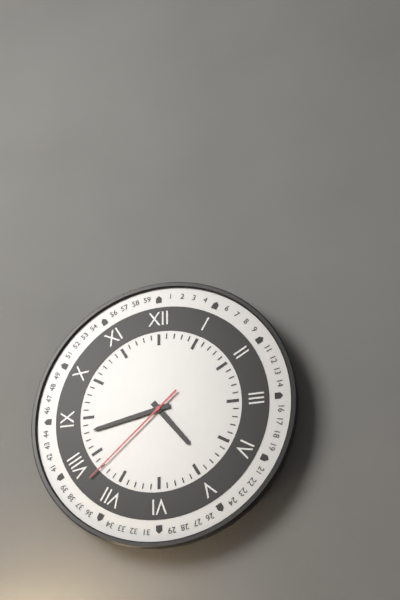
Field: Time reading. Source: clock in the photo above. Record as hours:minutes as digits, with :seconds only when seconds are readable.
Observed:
4:43:38
